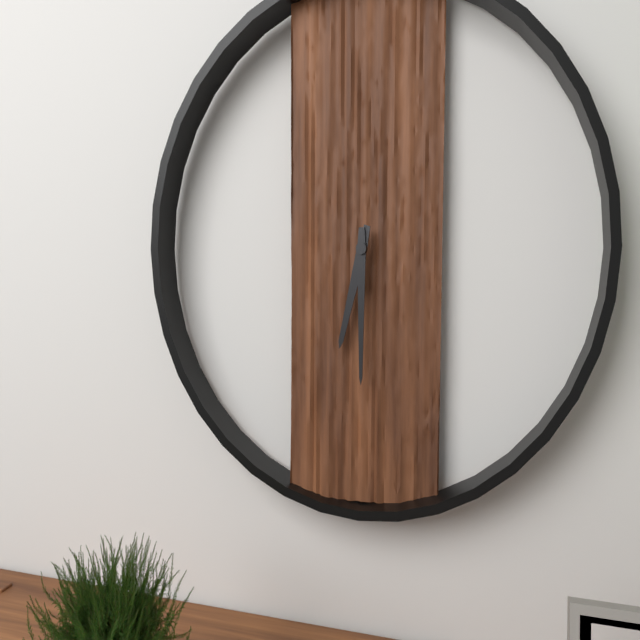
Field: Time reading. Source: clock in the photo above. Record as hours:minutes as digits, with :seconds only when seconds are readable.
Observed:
6:30
